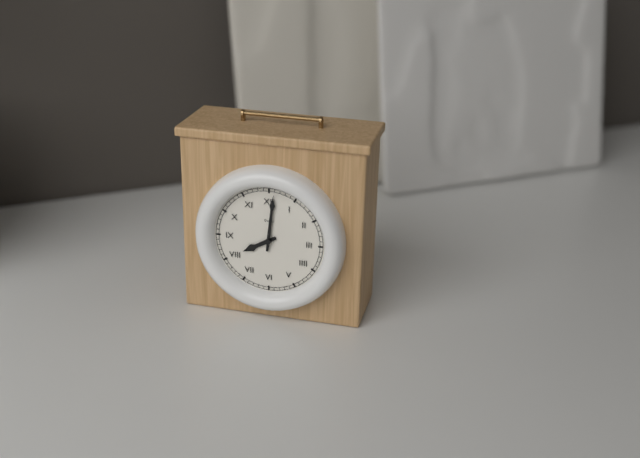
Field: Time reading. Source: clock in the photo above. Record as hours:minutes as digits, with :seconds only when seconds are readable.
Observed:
8:01
